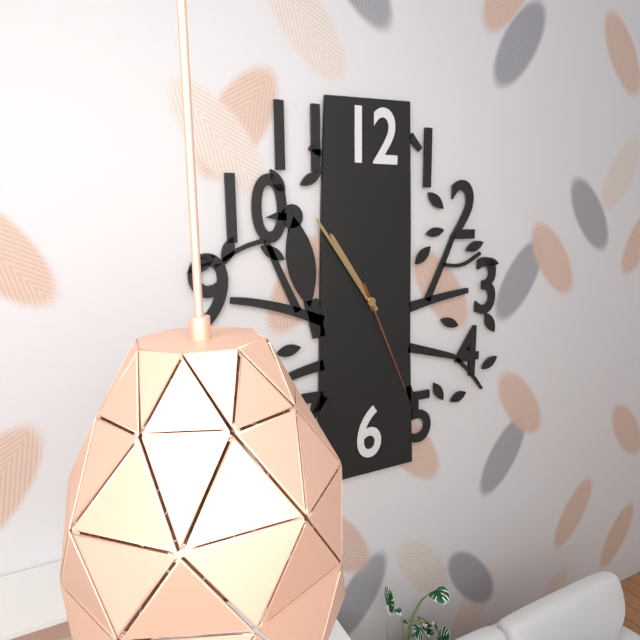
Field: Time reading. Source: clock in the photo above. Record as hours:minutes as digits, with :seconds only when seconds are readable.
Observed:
10:54:26
